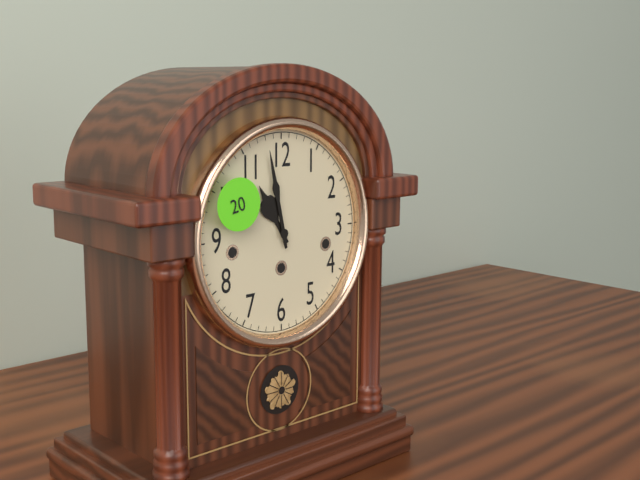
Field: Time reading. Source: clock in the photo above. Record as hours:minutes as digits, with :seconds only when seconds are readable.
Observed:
10:58
